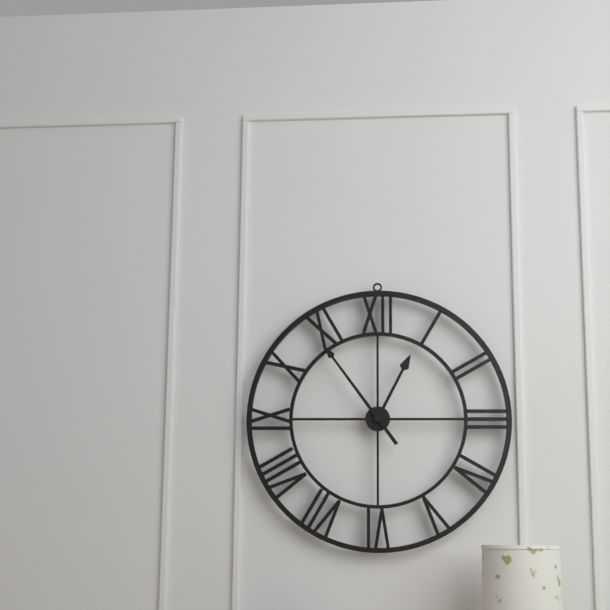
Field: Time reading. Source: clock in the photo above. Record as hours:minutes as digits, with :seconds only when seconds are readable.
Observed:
12:54
